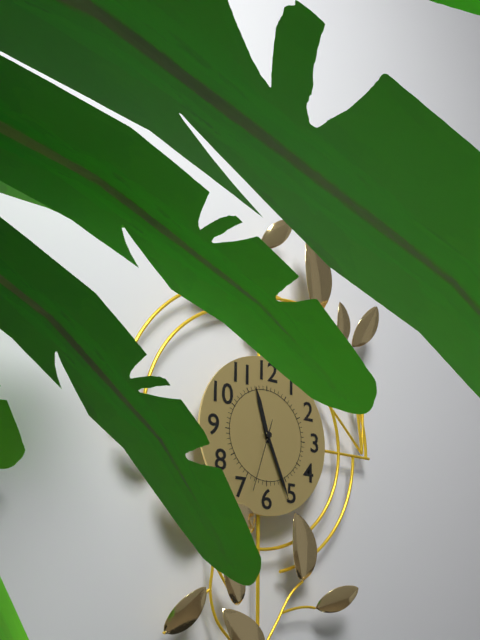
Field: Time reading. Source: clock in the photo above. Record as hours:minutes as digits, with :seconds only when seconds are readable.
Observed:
11:26:33
